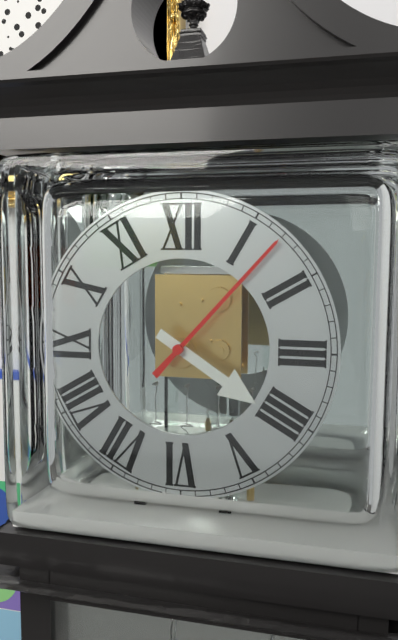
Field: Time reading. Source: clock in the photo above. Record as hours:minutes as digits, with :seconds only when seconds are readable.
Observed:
4:07
